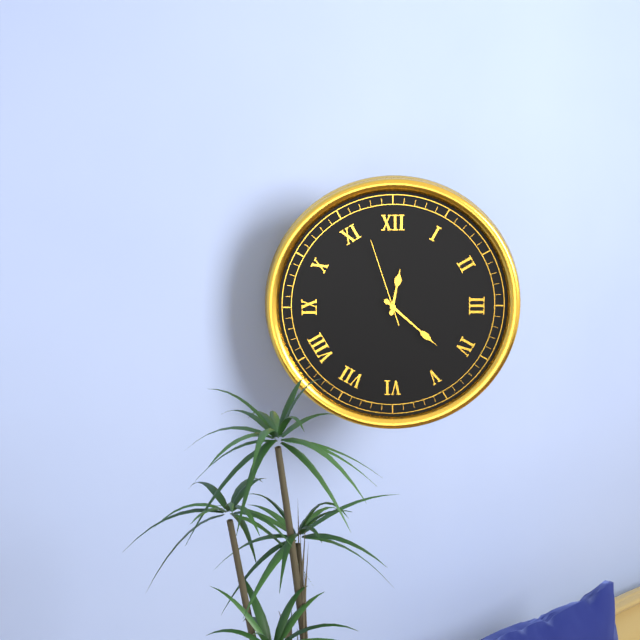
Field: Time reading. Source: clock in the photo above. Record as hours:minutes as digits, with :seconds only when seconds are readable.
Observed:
12:22:57
